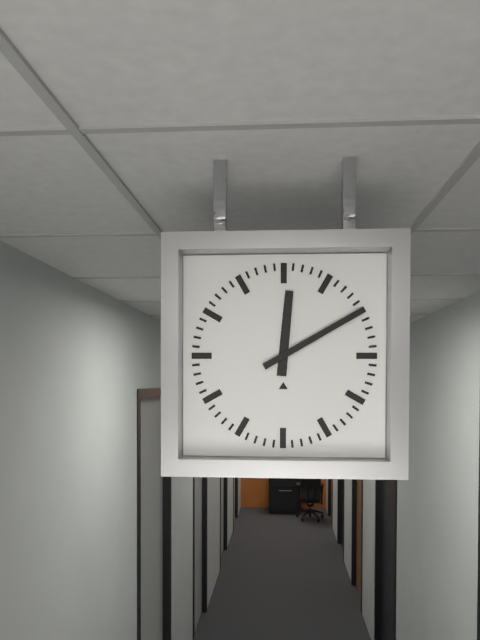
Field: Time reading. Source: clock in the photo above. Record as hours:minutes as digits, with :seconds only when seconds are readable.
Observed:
12:10
